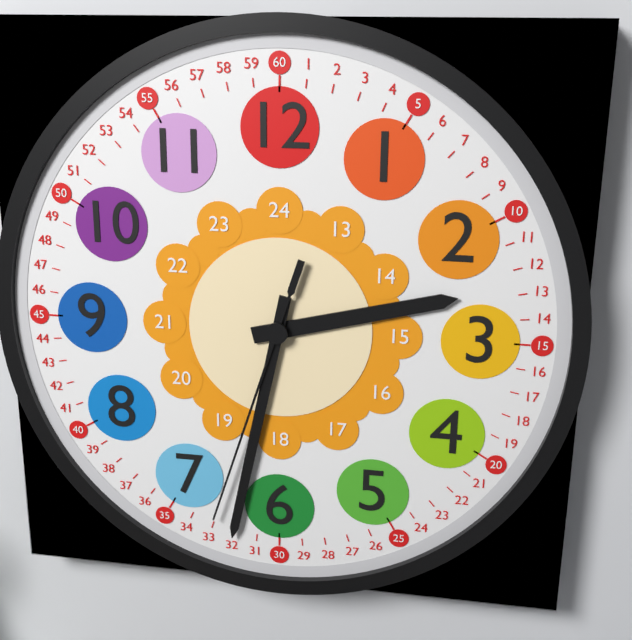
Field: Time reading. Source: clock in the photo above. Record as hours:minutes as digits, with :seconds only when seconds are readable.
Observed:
2:32:33
